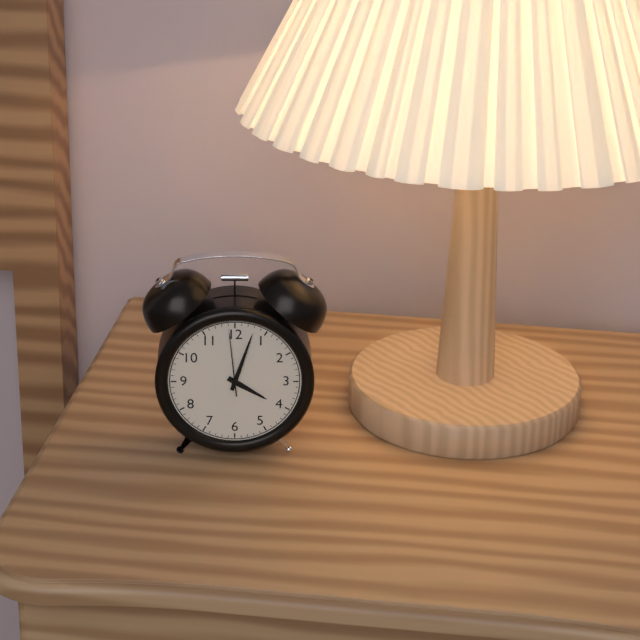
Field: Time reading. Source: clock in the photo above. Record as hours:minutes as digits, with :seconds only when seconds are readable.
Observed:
4:03:59
